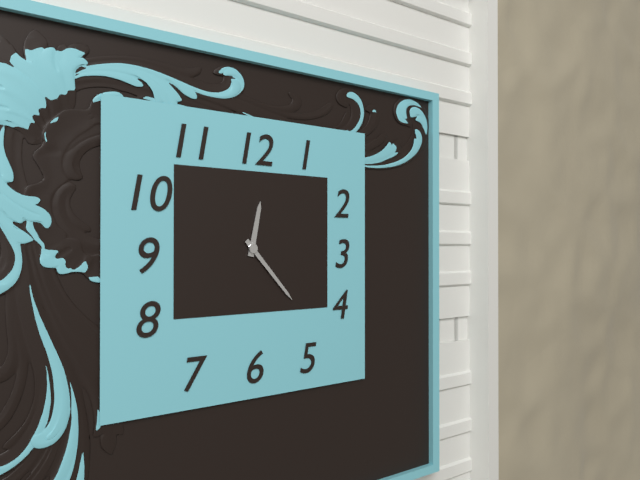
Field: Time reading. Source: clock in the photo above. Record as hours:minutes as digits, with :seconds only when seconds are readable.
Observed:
12:23
